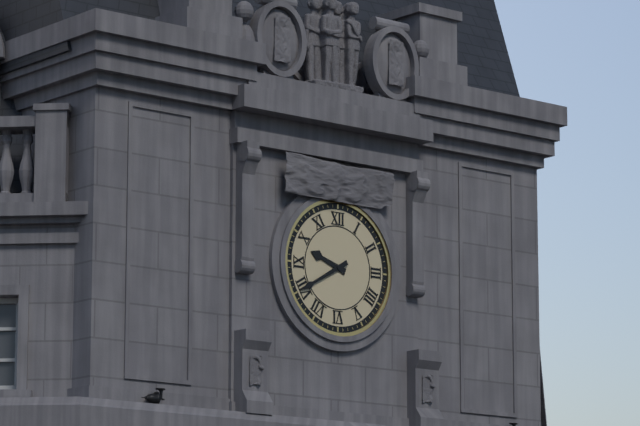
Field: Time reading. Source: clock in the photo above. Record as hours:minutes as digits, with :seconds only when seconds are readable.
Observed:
9:40
